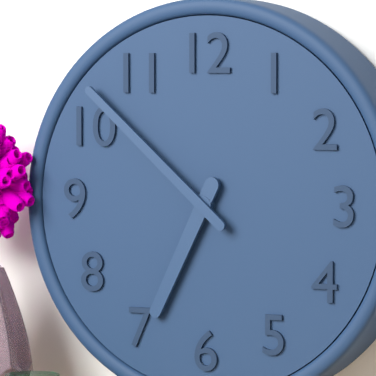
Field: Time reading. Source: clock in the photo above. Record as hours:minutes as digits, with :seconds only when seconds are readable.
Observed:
6:52
